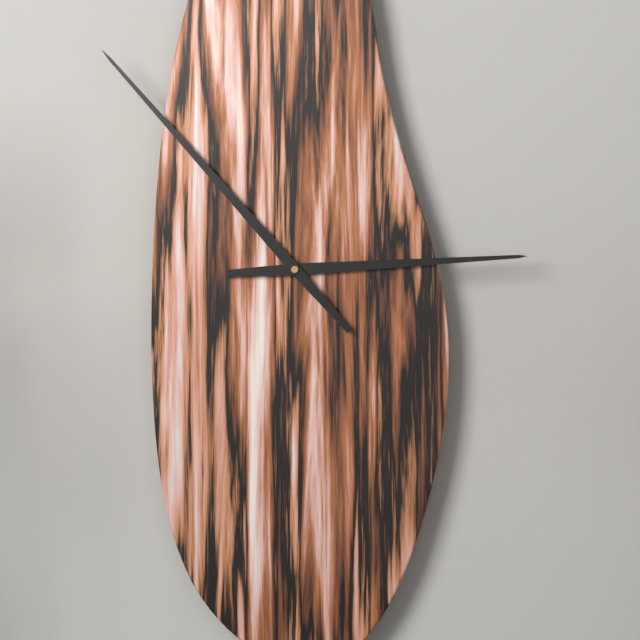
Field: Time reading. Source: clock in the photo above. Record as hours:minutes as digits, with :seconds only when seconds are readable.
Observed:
2:53
